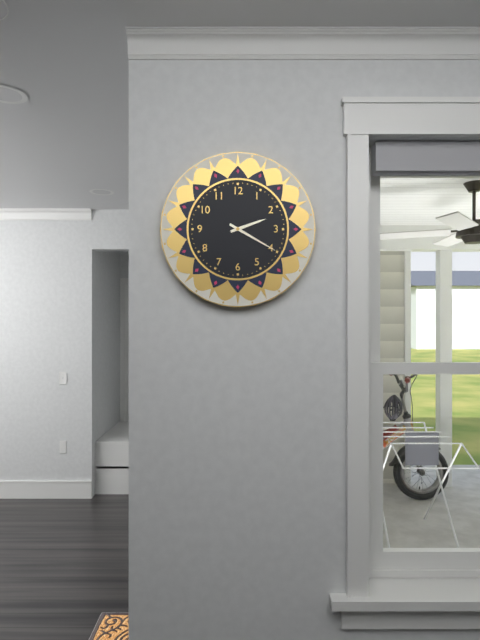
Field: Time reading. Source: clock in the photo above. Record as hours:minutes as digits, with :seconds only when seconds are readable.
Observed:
2:20
